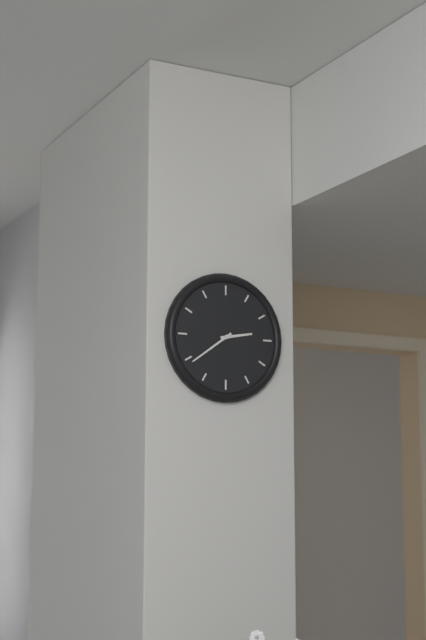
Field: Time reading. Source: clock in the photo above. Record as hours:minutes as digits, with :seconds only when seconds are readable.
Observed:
2:39
